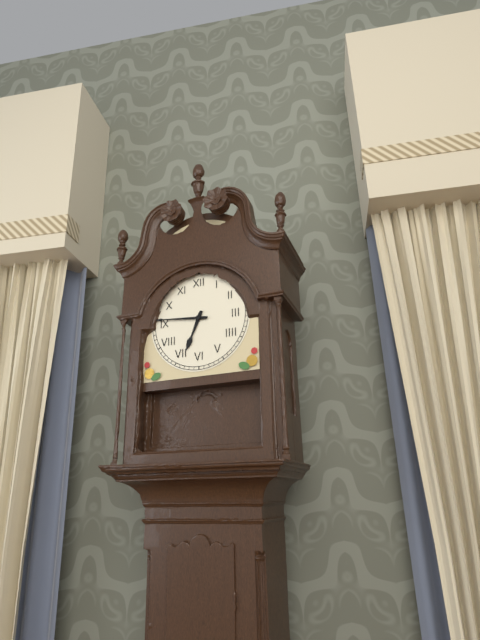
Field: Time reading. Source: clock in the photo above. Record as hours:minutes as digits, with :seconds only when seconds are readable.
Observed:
6:46
